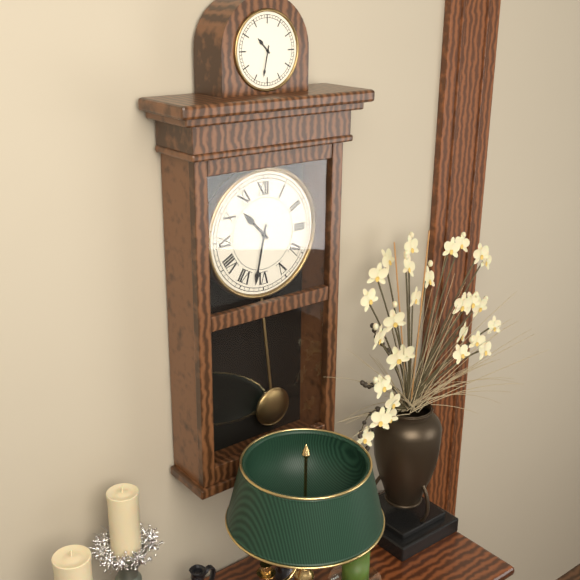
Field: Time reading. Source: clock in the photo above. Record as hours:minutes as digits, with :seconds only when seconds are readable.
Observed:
10:32
